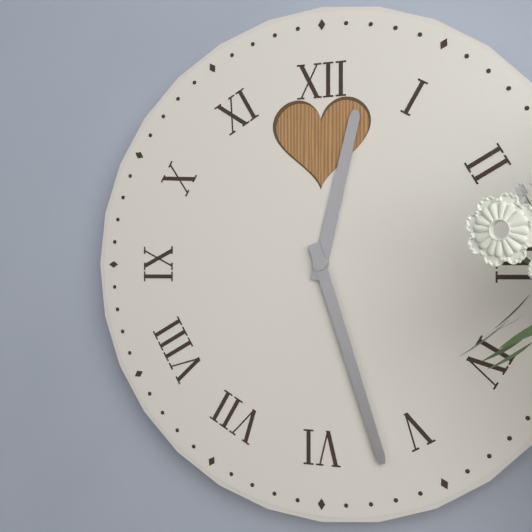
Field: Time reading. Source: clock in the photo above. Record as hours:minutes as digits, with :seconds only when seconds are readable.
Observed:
12:27
